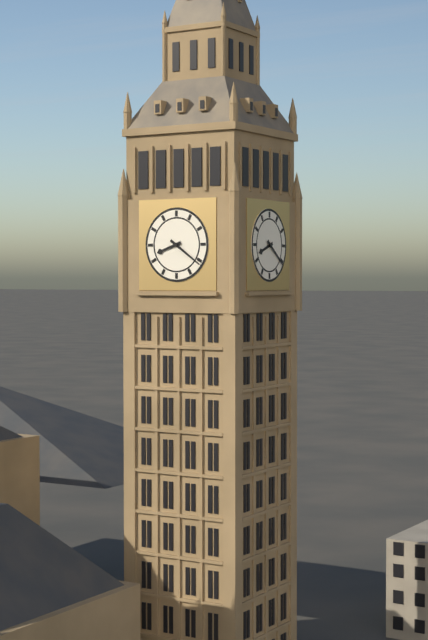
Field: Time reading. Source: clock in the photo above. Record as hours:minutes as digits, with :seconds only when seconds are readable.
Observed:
8:21
